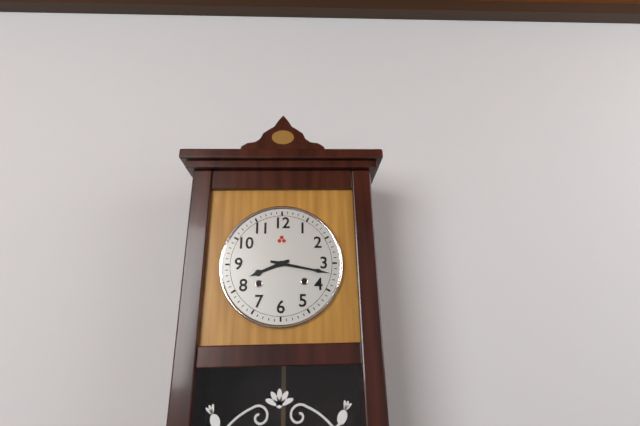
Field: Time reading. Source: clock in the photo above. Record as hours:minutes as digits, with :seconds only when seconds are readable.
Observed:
8:17
